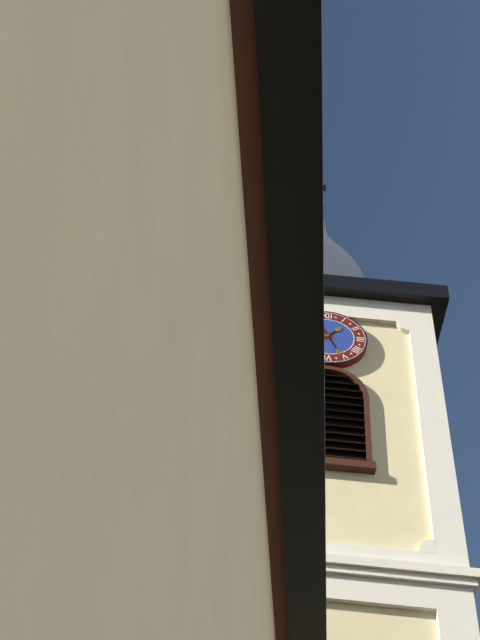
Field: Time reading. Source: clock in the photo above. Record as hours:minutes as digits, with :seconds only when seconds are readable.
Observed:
1:26
